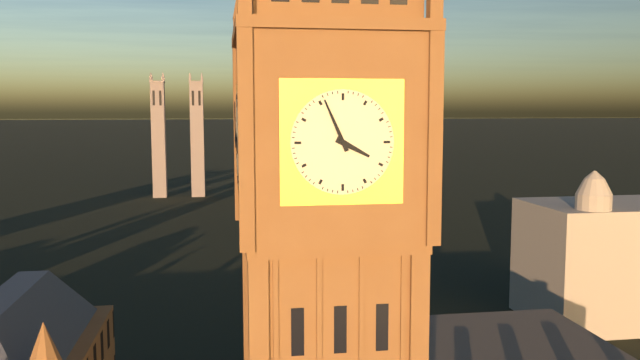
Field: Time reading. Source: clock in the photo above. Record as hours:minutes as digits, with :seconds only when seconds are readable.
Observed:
3:56
